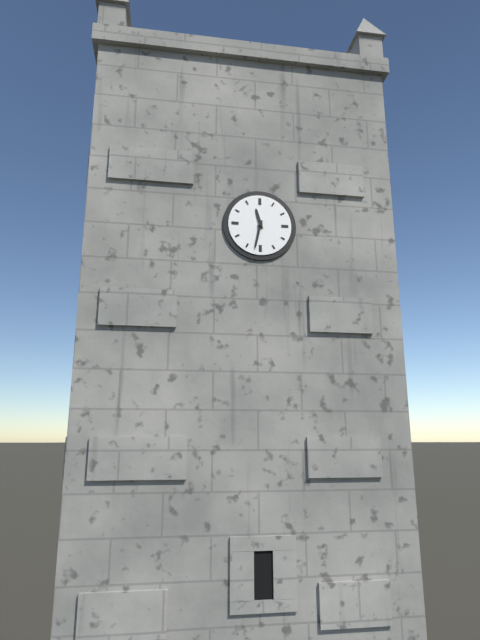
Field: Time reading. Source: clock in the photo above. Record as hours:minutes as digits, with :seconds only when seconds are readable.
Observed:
11:32
